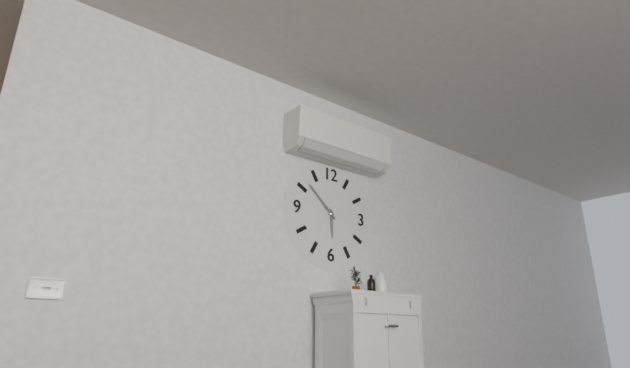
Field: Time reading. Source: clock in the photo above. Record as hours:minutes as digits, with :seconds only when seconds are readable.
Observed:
5:52
